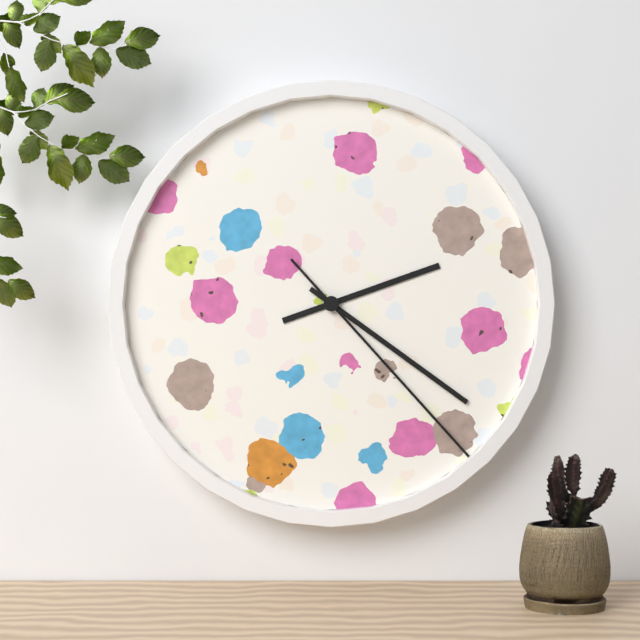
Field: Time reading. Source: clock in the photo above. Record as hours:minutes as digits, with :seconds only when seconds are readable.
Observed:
2:21:23
